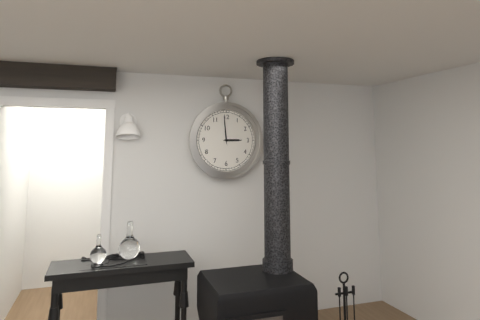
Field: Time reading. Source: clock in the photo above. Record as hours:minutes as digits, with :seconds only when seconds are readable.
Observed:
2:59
